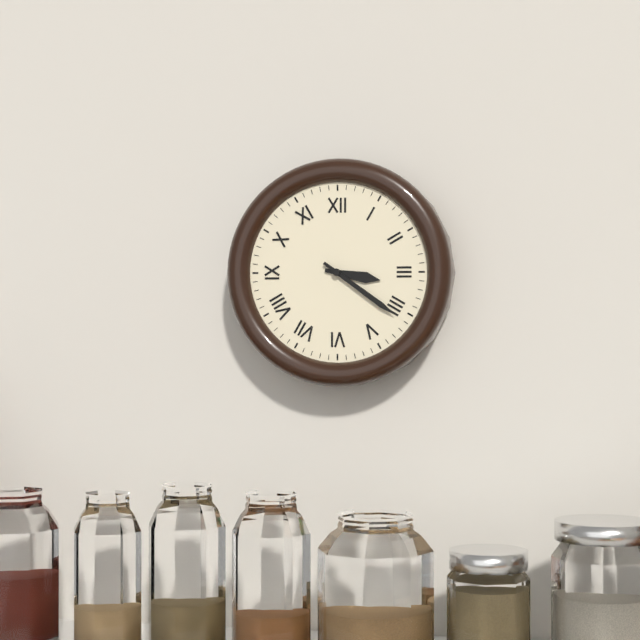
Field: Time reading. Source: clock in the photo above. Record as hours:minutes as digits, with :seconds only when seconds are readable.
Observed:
3:21
